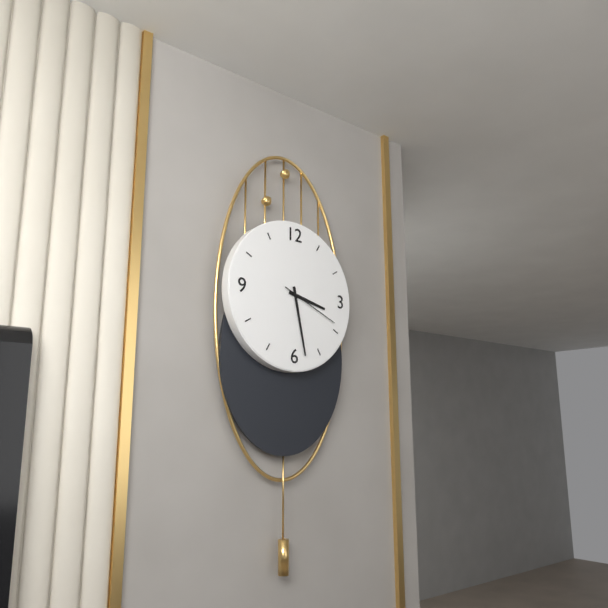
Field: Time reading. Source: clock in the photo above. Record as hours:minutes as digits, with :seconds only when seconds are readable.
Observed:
3:28:19
